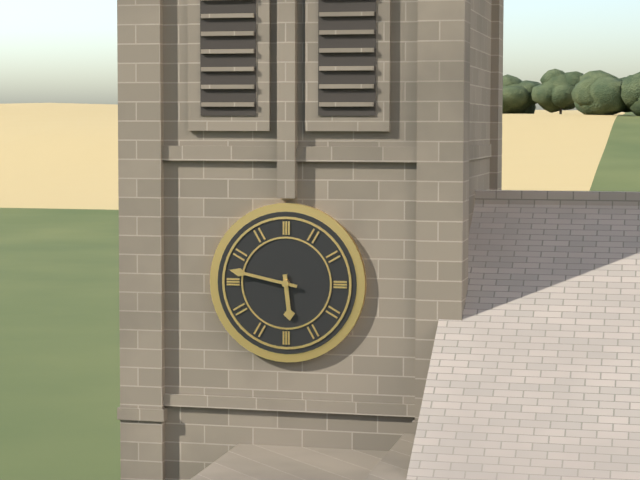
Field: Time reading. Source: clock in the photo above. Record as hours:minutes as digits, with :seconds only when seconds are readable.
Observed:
5:47
